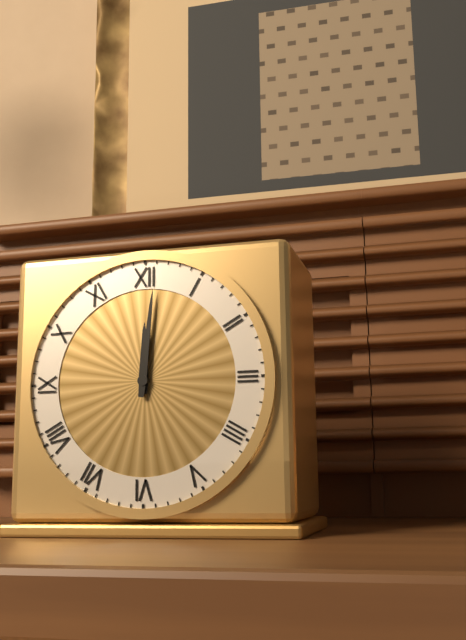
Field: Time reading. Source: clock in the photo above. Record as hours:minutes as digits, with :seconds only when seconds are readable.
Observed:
12:01
